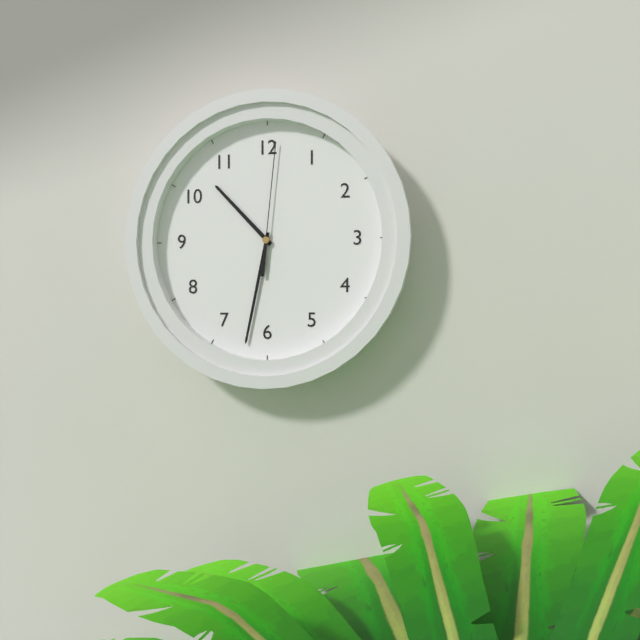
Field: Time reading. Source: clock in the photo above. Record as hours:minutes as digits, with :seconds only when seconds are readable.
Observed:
10:32:01
